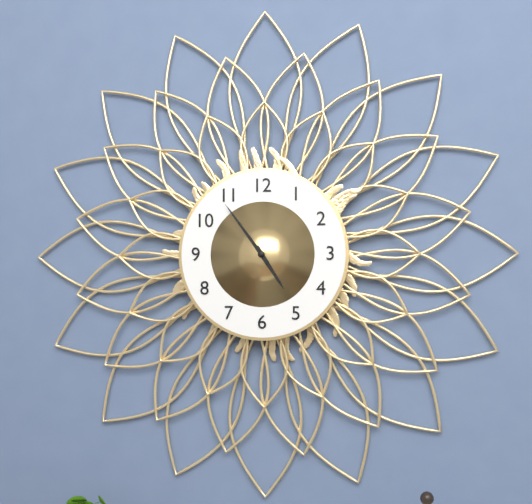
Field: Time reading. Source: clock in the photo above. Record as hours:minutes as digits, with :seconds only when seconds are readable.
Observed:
4:54
